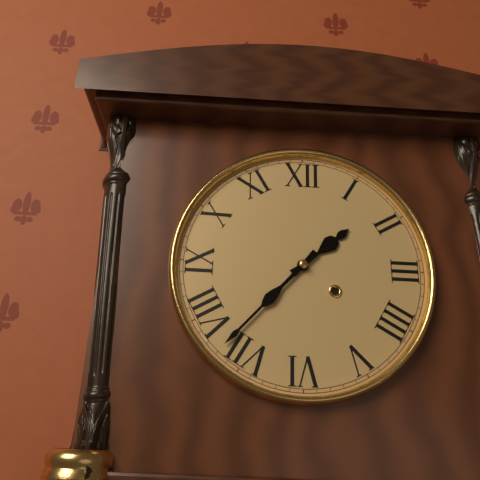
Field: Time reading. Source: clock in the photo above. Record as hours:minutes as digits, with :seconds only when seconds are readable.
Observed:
1:37
